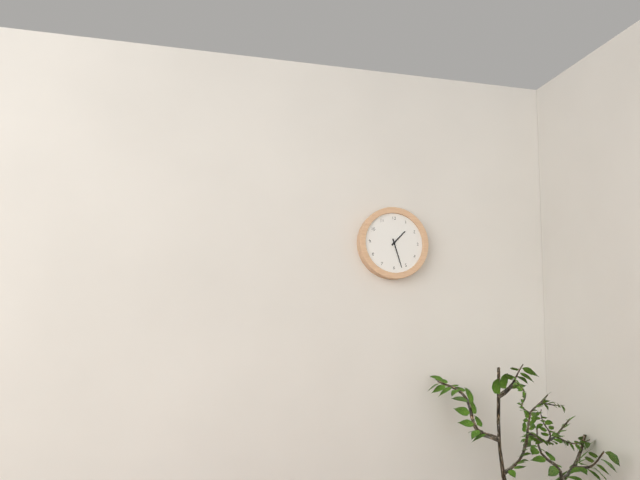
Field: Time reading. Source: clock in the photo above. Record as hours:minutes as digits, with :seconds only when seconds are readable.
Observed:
1:27
